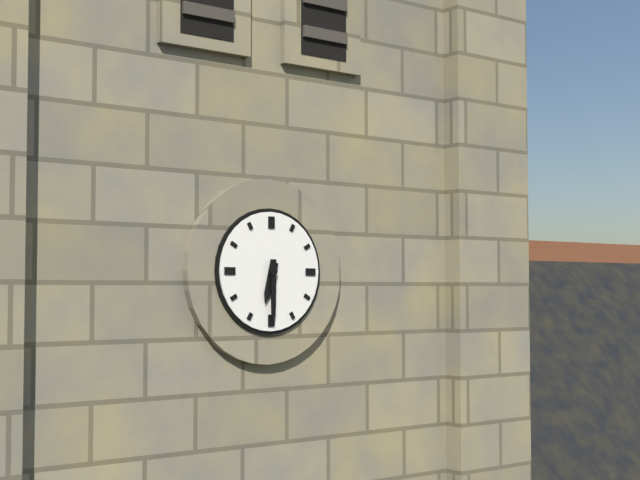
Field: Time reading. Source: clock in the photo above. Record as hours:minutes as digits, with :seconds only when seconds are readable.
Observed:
6:30
